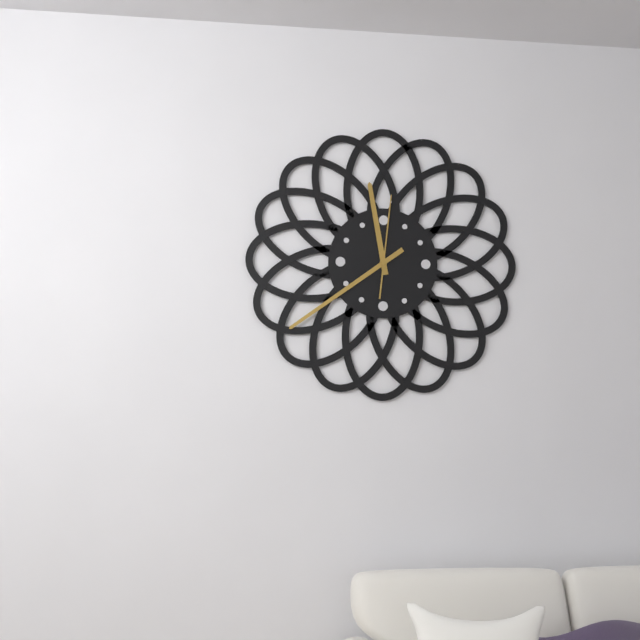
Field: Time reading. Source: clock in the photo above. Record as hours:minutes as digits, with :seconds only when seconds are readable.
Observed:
11:39:01
